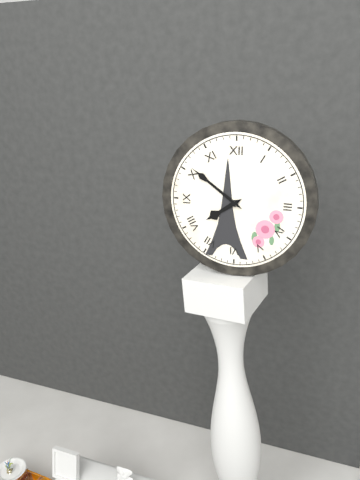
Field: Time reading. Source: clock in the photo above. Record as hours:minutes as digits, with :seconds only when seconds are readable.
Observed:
7:51
